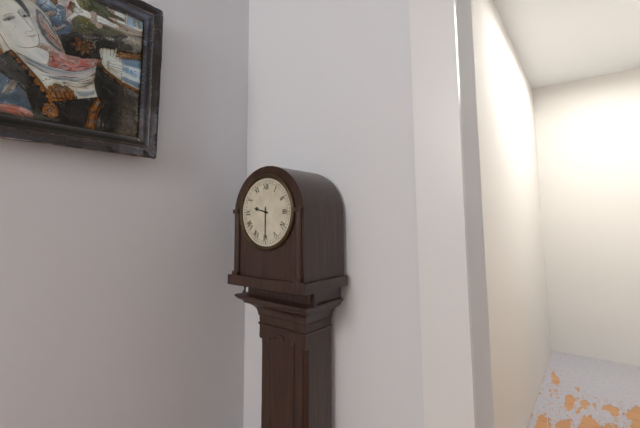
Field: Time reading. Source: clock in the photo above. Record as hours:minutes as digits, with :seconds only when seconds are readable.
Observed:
9:30
